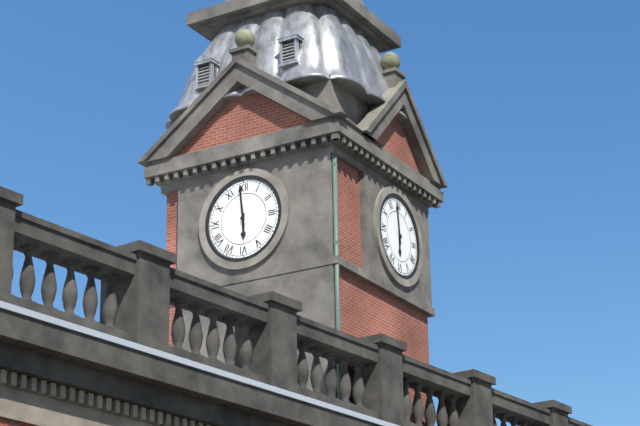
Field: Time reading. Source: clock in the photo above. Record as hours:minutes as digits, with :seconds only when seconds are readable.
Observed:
5:59
